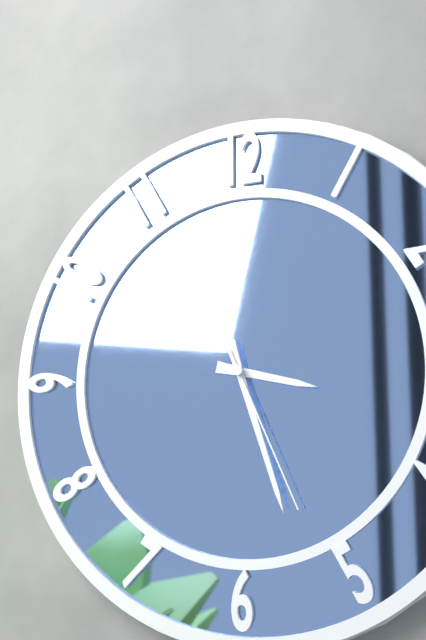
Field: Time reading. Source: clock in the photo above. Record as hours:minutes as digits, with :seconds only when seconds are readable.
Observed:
3:27:26
